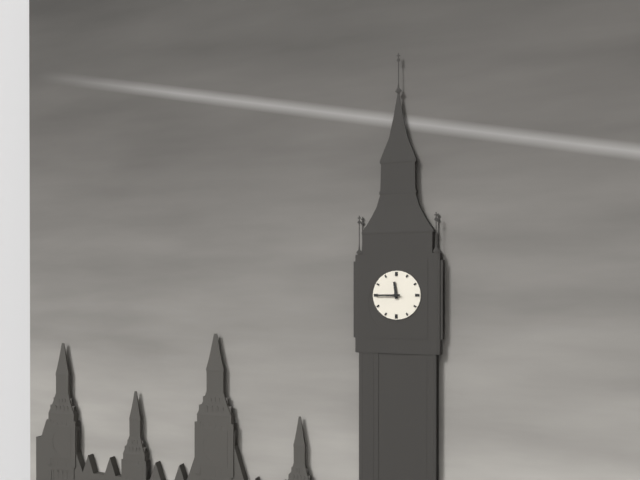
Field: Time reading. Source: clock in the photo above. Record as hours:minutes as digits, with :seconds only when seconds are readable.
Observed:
11:45
